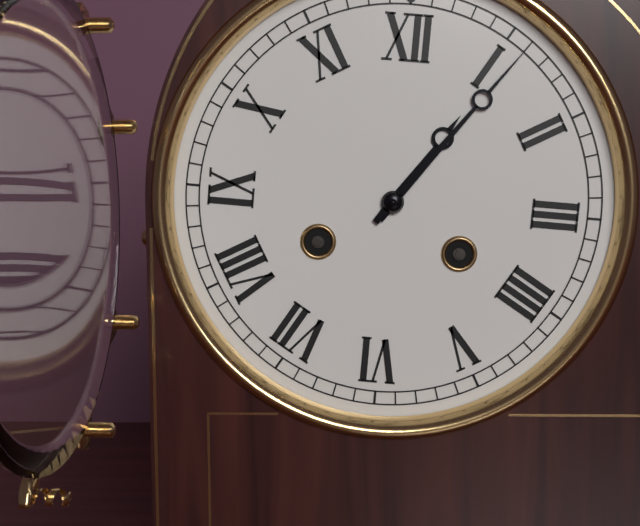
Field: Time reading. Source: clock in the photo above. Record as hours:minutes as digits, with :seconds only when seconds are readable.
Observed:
1:06
